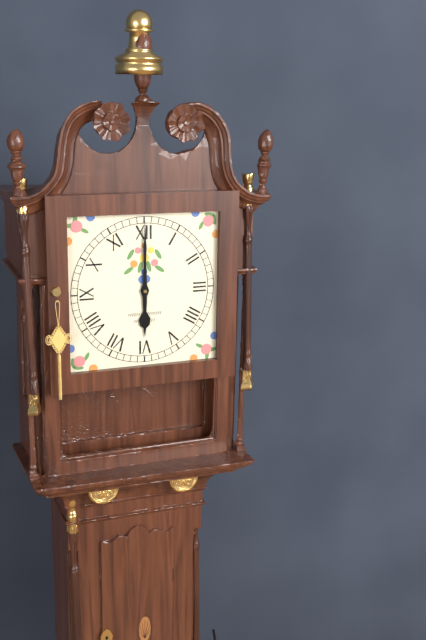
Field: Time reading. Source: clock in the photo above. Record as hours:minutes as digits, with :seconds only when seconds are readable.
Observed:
6:00
